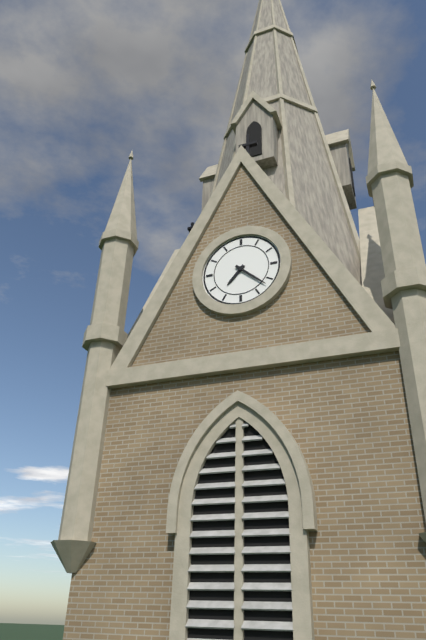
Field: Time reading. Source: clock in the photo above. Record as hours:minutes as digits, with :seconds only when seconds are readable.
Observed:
7:22
